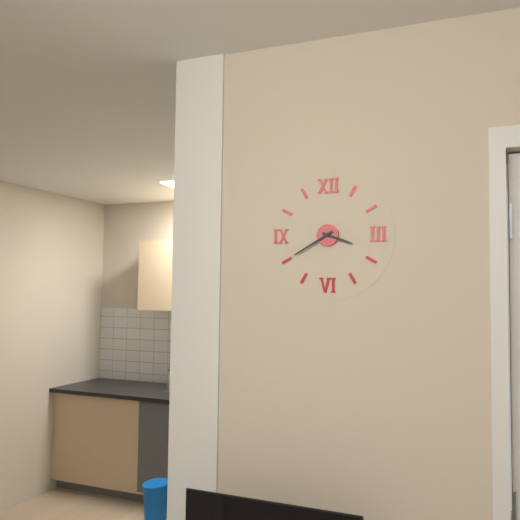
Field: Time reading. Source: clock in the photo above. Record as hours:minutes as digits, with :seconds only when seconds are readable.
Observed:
3:40
